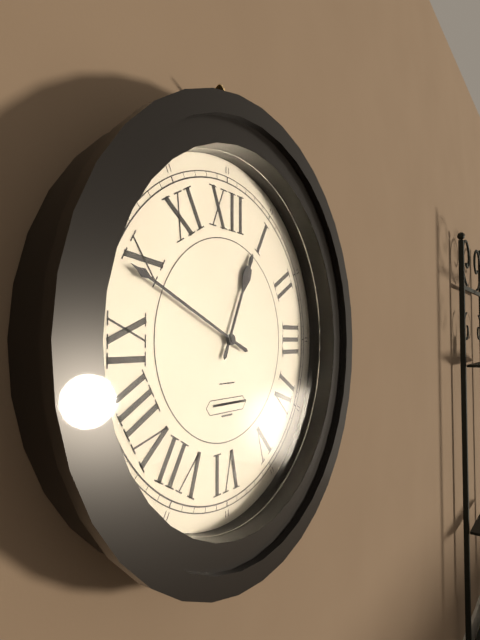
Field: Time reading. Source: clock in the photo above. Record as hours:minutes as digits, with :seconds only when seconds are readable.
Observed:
12:49
